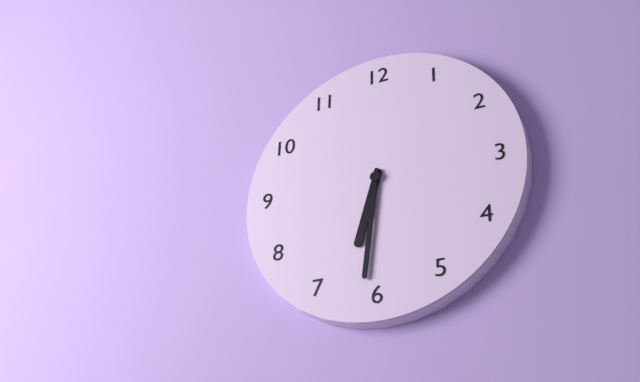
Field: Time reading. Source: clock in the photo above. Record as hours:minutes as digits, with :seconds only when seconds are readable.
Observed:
6:31
